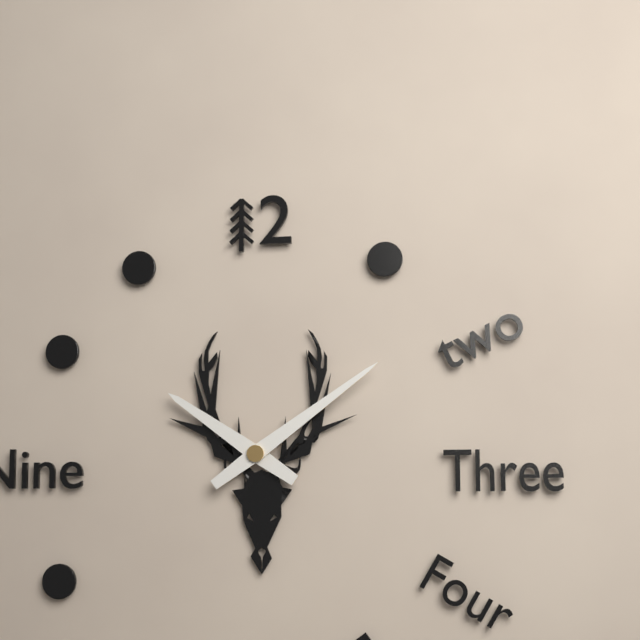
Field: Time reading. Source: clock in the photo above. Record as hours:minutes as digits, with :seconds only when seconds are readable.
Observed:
10:09
